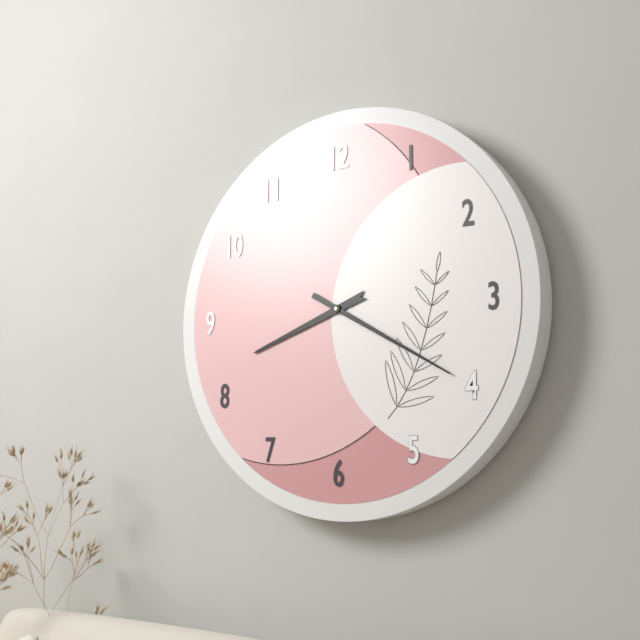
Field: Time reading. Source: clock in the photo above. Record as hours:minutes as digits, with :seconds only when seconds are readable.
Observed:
8:20
